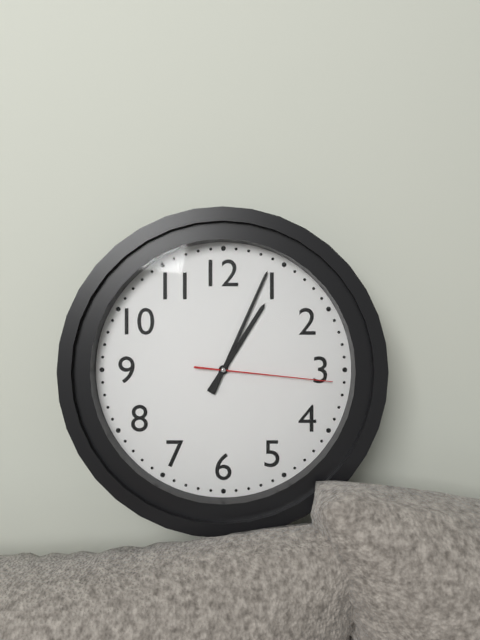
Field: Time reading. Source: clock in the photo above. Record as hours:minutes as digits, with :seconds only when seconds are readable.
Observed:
1:04:16
